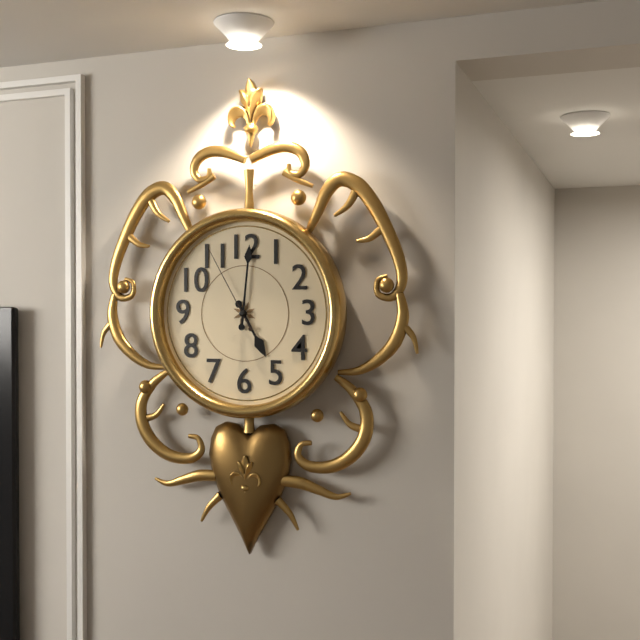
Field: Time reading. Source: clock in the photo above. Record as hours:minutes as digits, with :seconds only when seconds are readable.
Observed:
5:01:55
